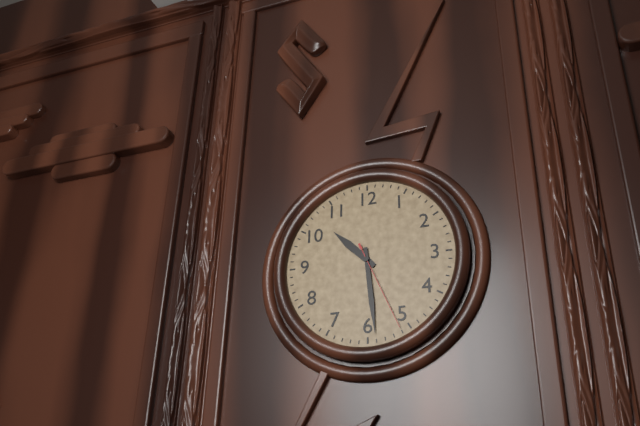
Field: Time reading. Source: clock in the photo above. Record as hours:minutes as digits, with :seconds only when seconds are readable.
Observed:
10:29:26
